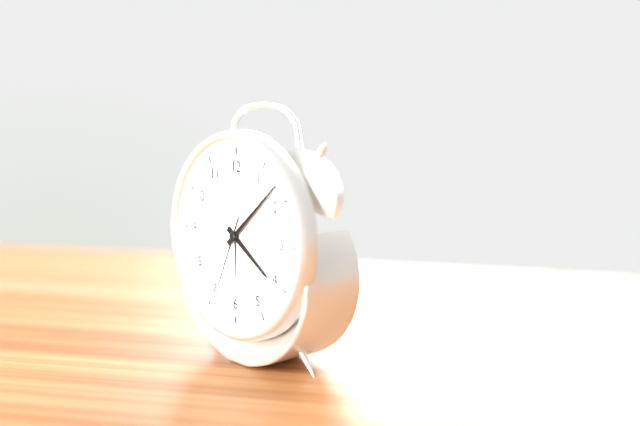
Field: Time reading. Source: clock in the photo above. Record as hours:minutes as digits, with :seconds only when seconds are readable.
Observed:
4:08:34
